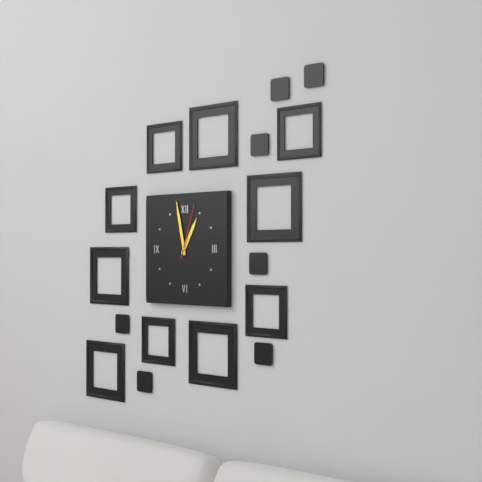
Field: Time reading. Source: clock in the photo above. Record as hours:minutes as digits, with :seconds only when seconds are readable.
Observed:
12:58:03
